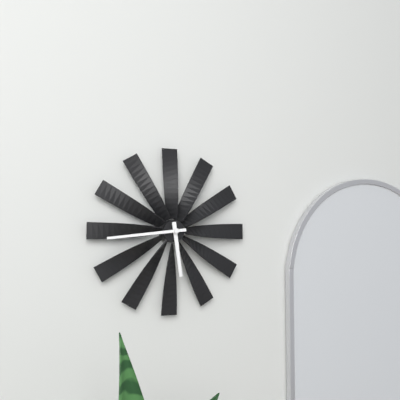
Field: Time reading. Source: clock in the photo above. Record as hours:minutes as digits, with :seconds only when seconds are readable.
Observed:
5:44
